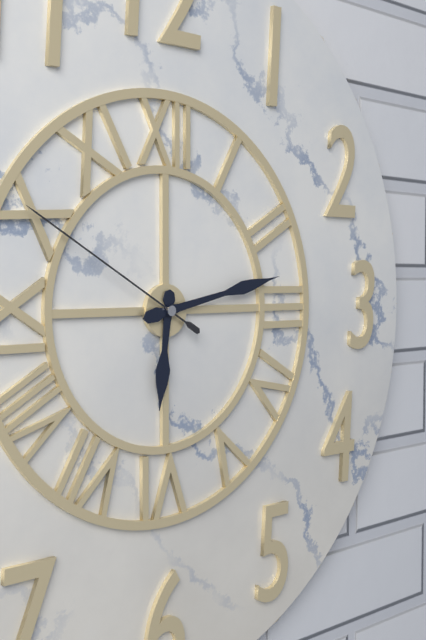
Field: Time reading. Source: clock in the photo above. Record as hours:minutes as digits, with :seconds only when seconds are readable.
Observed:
6:13:50
